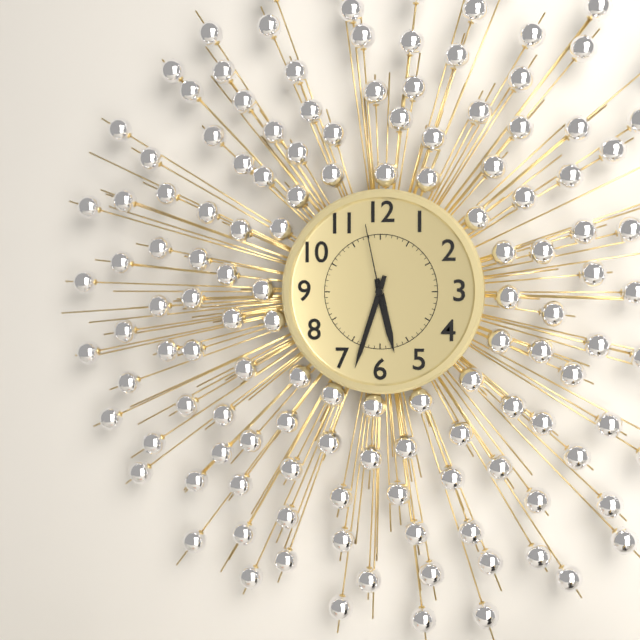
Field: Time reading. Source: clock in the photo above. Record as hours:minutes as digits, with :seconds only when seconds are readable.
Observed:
5:33:58
